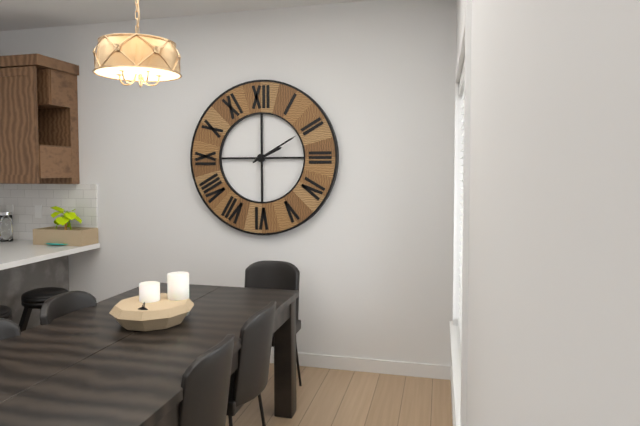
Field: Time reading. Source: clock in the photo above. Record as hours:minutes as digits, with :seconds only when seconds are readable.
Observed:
2:10
